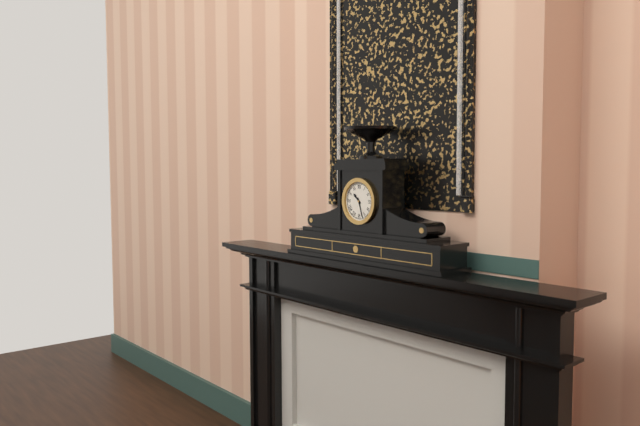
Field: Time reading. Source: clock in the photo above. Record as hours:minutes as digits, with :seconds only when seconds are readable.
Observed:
10:27
